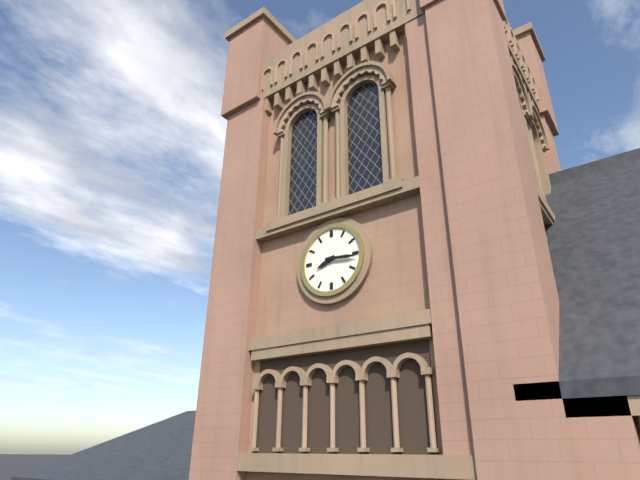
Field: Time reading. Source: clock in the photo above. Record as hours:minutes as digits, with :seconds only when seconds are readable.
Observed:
8:16
